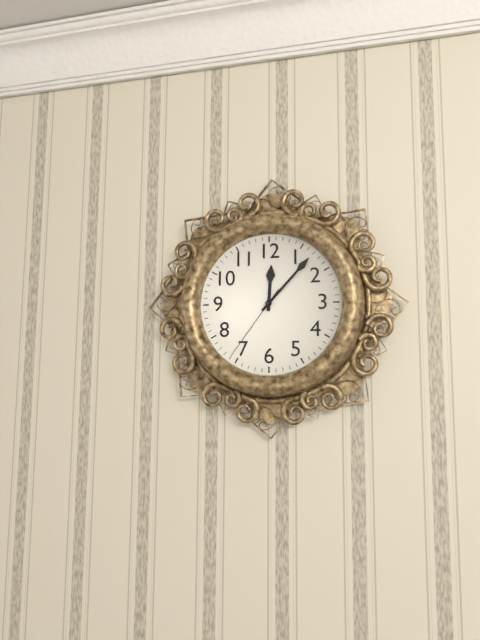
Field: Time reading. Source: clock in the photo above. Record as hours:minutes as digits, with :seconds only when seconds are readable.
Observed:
12:07:36
